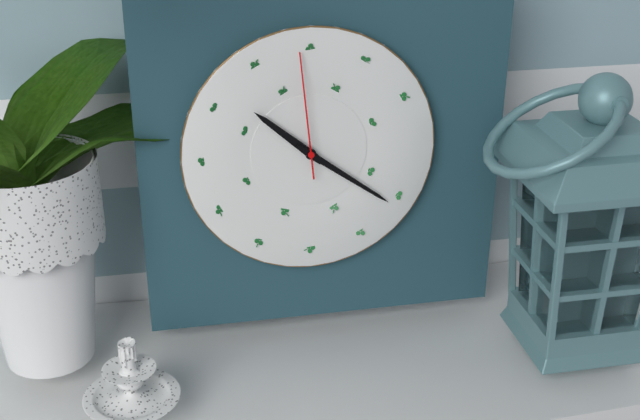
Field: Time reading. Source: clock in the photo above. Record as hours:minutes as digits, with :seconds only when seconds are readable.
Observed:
10:21:59
